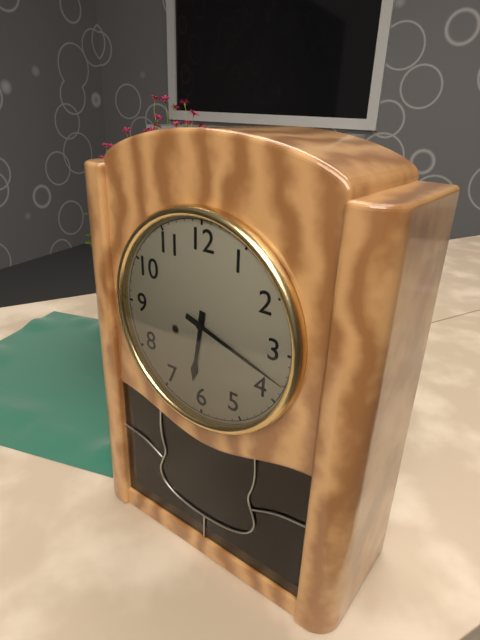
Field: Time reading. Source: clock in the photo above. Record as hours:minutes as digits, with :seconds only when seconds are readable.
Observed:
6:18
